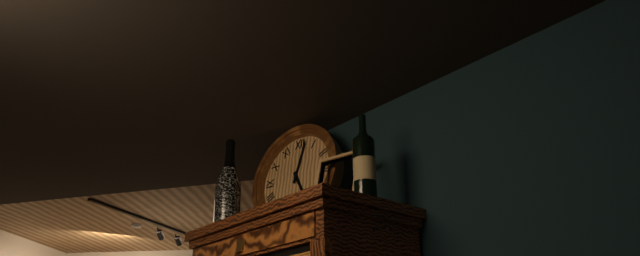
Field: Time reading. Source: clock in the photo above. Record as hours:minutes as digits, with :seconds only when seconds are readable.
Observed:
5:02
